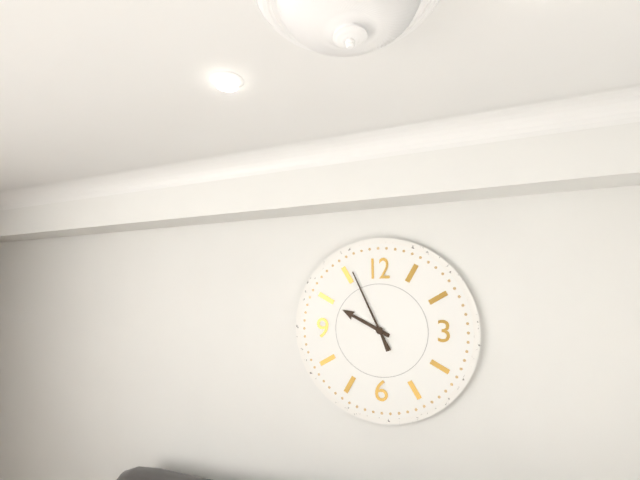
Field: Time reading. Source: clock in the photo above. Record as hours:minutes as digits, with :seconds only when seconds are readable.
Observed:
9:56
